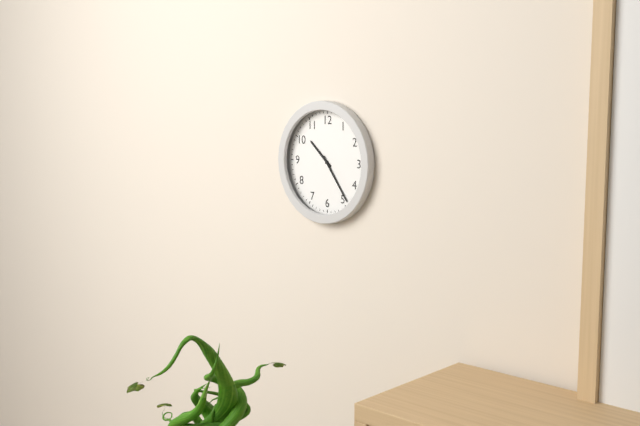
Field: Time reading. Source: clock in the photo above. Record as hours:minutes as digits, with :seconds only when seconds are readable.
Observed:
10:24
